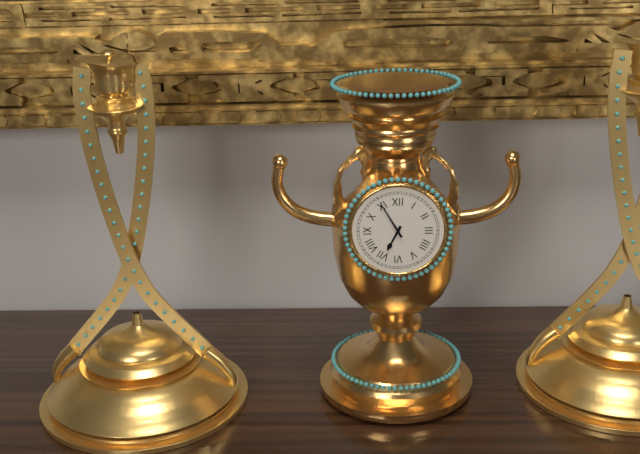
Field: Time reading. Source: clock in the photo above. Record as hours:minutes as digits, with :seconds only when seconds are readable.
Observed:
6:55
